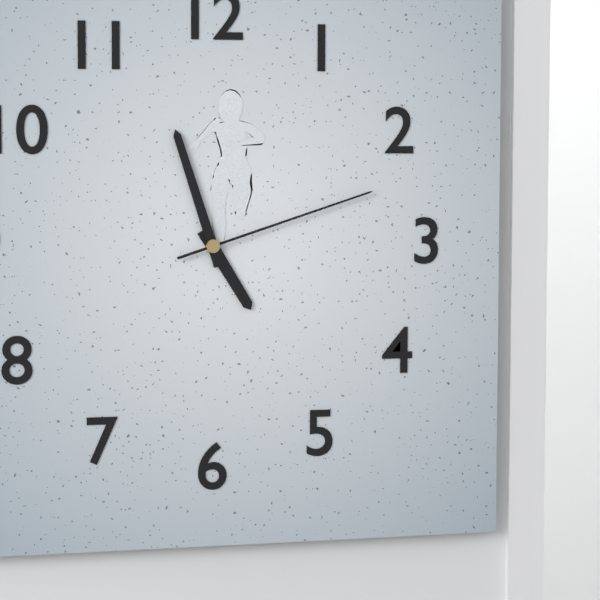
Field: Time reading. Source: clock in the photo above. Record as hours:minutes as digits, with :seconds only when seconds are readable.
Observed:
4:57:12
